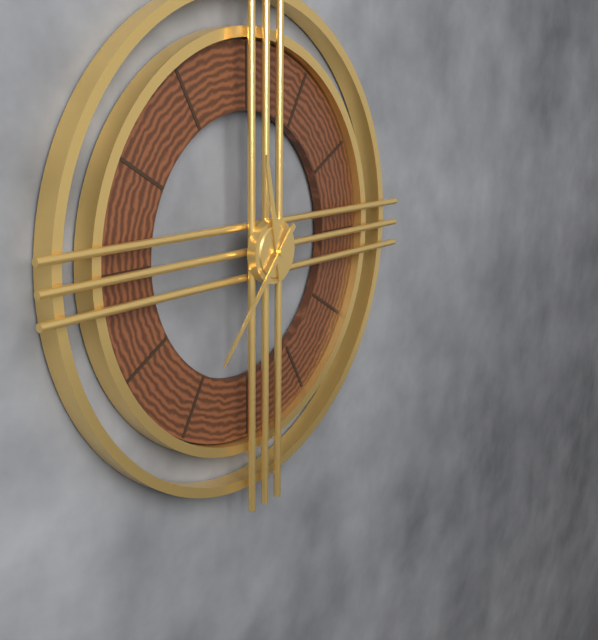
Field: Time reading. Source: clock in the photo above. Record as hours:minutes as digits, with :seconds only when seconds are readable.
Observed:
11:37
